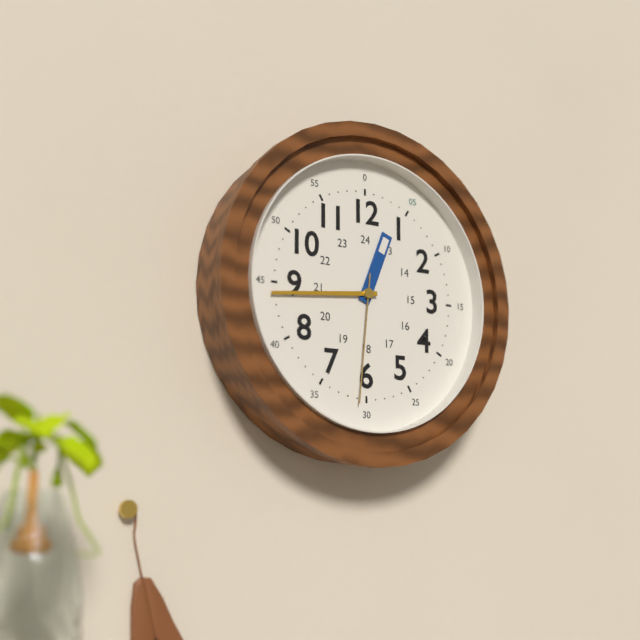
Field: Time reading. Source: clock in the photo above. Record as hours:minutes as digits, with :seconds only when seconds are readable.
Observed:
12:44:31
